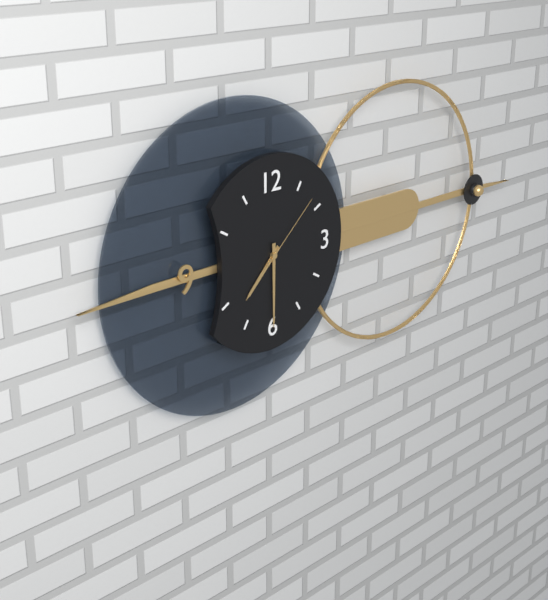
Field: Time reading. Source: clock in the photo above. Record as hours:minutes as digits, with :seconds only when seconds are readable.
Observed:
7:30:08
